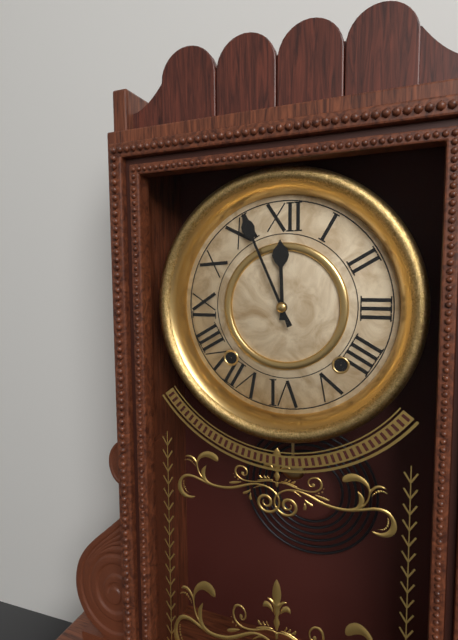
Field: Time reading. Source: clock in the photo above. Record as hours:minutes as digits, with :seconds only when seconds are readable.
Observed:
11:56
